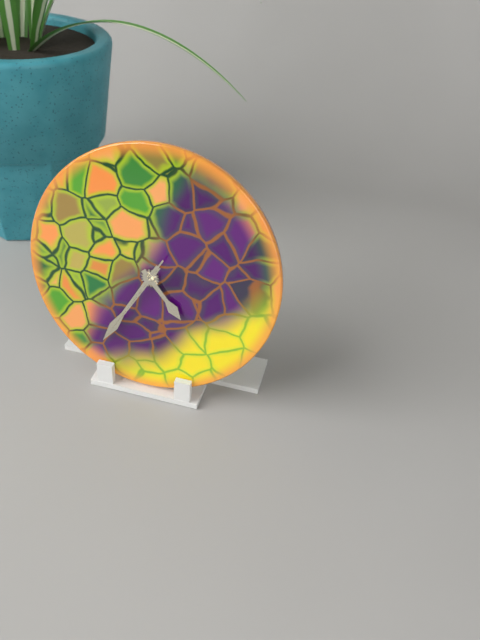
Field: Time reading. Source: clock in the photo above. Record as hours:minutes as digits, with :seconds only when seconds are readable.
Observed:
4:35:35
